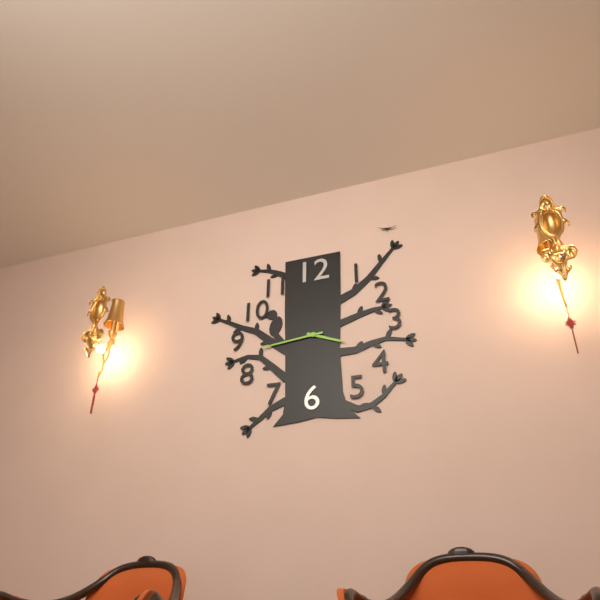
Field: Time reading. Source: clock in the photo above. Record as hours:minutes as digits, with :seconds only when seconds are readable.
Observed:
3:44
